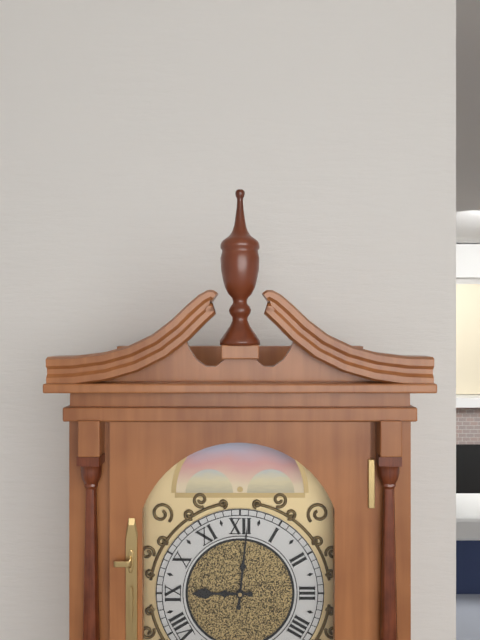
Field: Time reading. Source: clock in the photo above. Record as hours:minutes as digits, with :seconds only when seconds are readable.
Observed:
9:01
